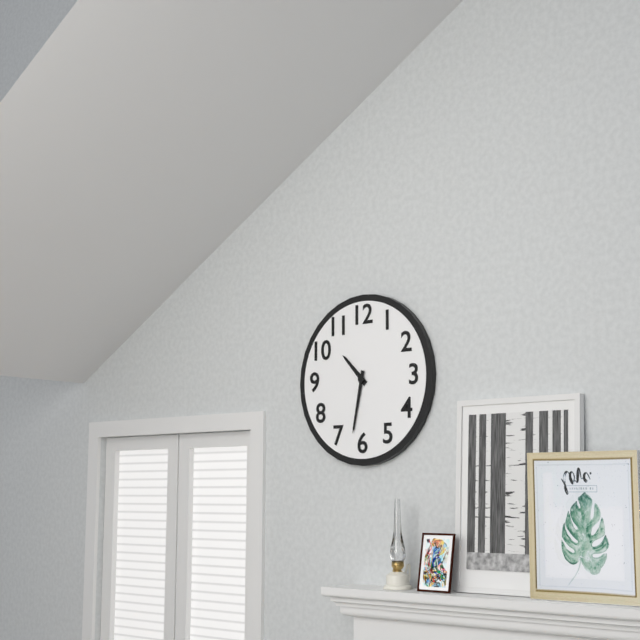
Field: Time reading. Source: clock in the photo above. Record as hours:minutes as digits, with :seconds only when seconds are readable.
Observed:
10:32
